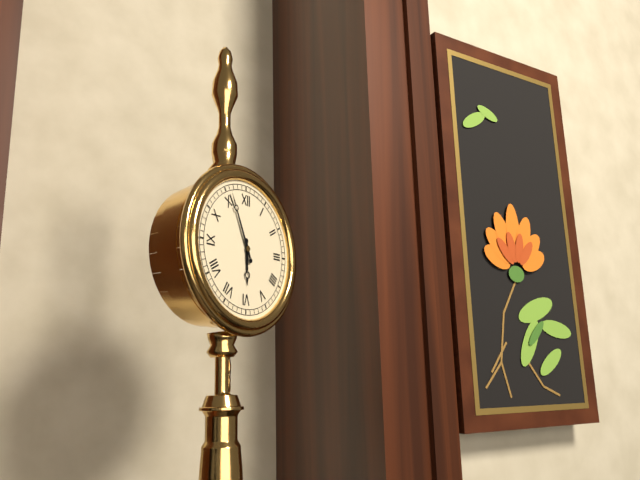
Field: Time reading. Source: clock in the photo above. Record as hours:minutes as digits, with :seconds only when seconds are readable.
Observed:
5:56
